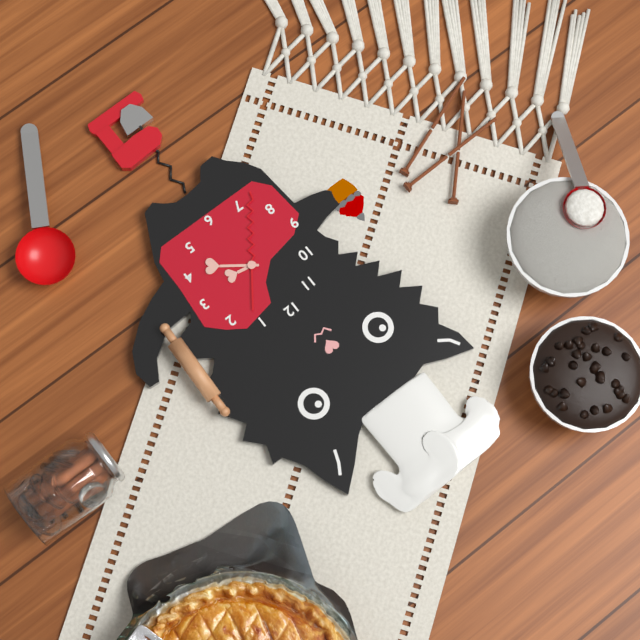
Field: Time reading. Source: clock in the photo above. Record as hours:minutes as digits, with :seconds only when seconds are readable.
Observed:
3:21:36
